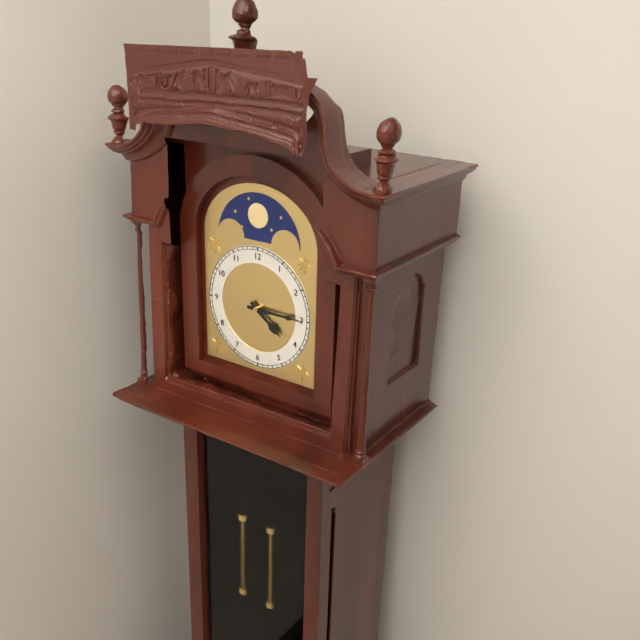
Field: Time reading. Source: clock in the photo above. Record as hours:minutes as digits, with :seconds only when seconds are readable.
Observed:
4:15
